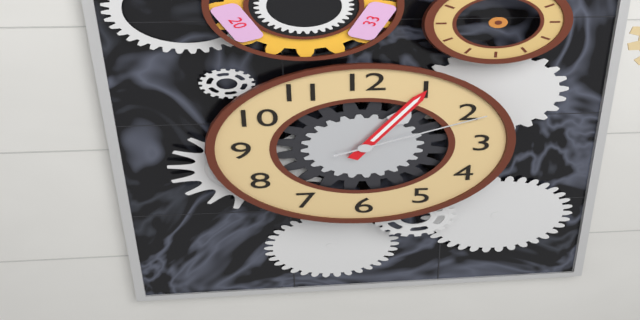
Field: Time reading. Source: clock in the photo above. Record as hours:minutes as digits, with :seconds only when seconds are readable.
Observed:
1:05:11
